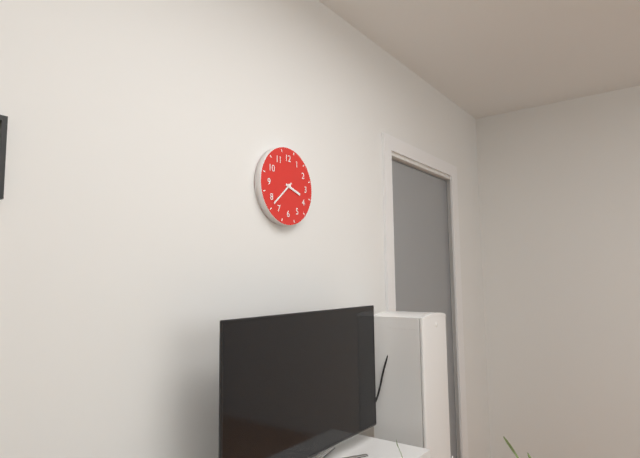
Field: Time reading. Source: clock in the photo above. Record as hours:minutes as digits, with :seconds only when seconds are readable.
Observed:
3:38
